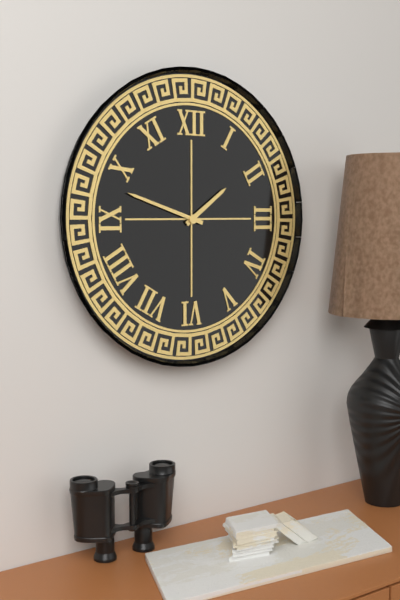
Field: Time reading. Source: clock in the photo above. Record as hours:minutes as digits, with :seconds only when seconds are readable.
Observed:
1:48
